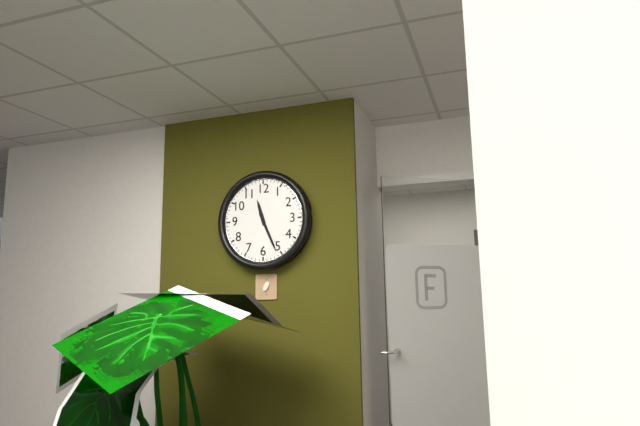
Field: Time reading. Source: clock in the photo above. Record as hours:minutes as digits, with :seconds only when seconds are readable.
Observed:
11:26
